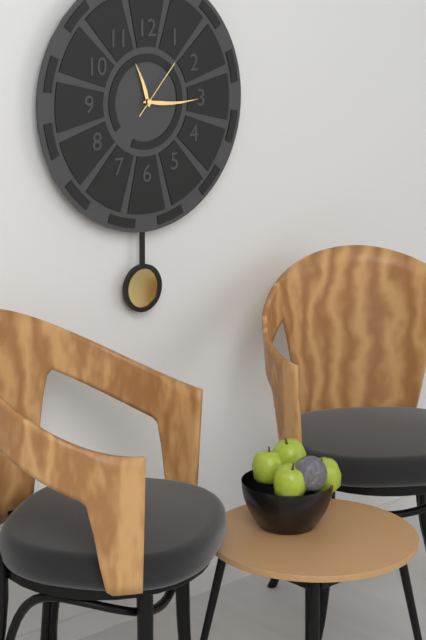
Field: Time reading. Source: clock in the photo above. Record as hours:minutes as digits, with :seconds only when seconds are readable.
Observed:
11:15:07
